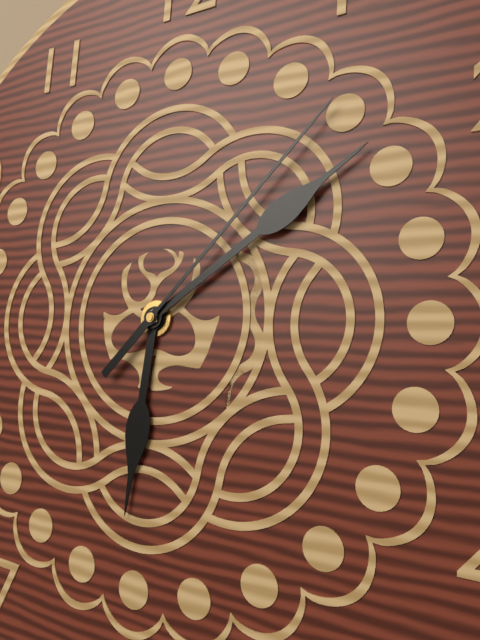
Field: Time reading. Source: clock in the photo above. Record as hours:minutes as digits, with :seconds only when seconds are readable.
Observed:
6:09:07
